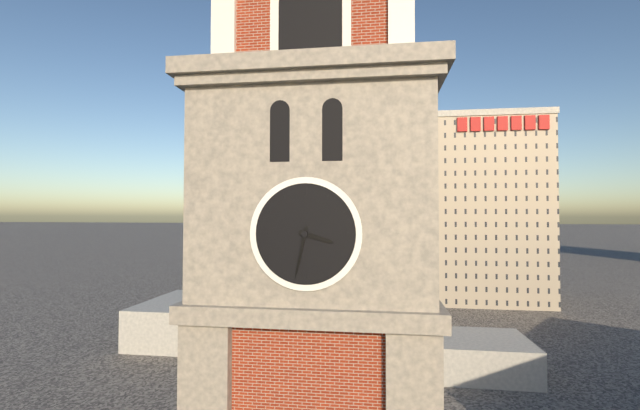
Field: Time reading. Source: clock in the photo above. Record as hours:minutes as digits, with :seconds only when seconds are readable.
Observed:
3:32
